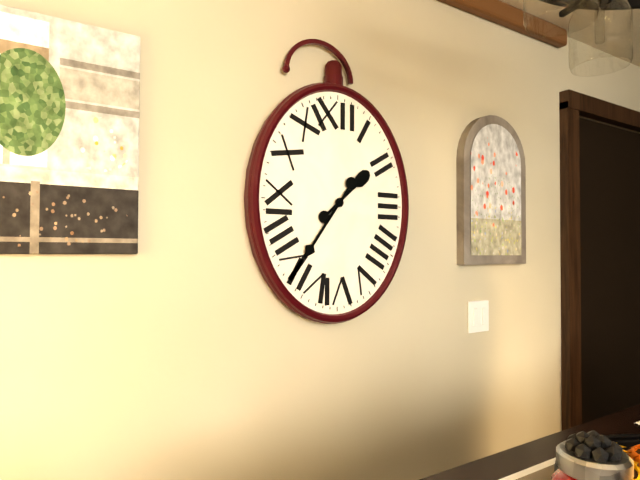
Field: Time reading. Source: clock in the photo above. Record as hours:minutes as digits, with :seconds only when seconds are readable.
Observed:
1:36
